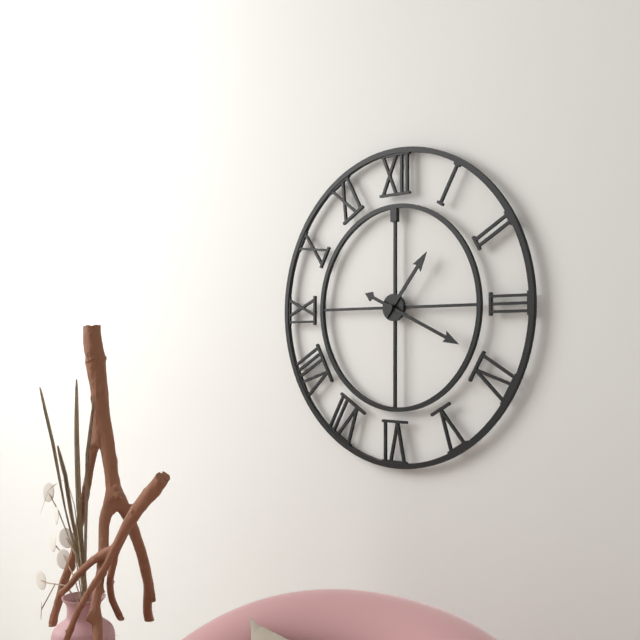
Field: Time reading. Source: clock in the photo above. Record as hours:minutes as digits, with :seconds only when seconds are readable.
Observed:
1:19
